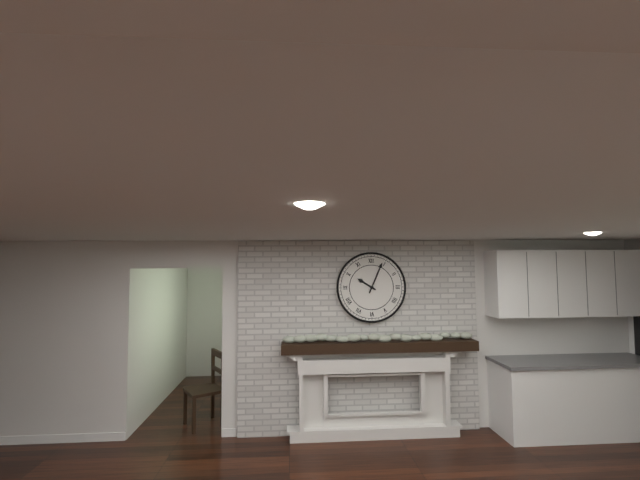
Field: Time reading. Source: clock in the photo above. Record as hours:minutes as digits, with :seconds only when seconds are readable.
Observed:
10:04
